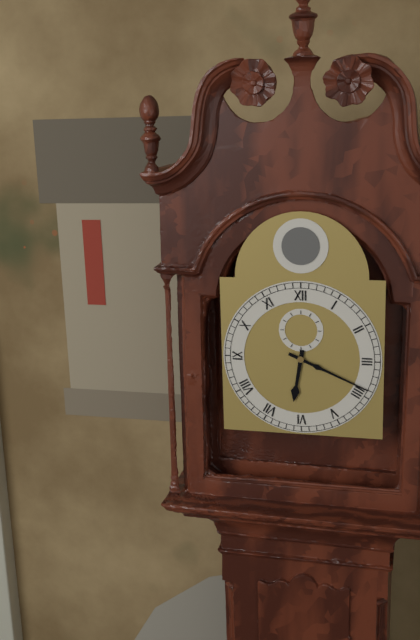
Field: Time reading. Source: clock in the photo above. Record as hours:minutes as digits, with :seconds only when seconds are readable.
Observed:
6:19
